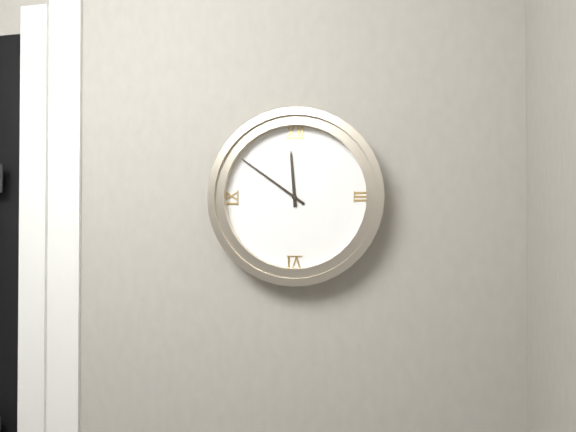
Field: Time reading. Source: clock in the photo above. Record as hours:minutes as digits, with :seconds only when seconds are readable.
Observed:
11:51
